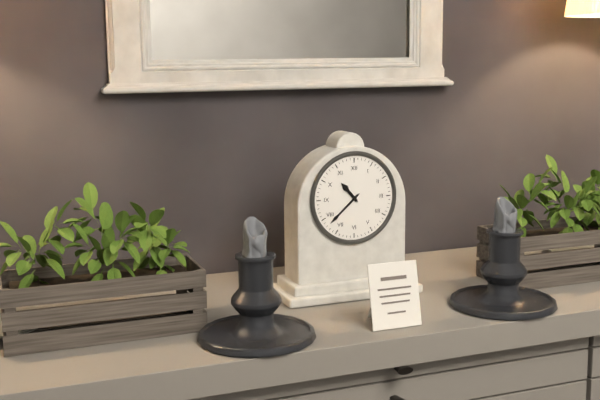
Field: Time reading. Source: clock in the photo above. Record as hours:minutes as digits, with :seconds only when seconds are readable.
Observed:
10:38
